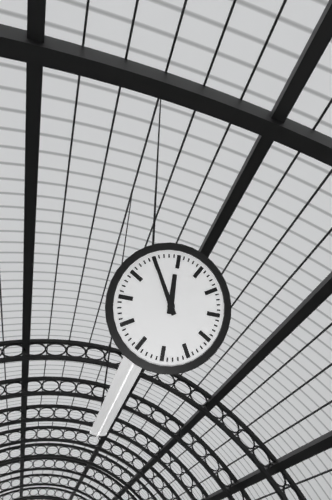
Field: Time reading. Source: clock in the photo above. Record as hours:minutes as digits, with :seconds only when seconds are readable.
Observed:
11:55
